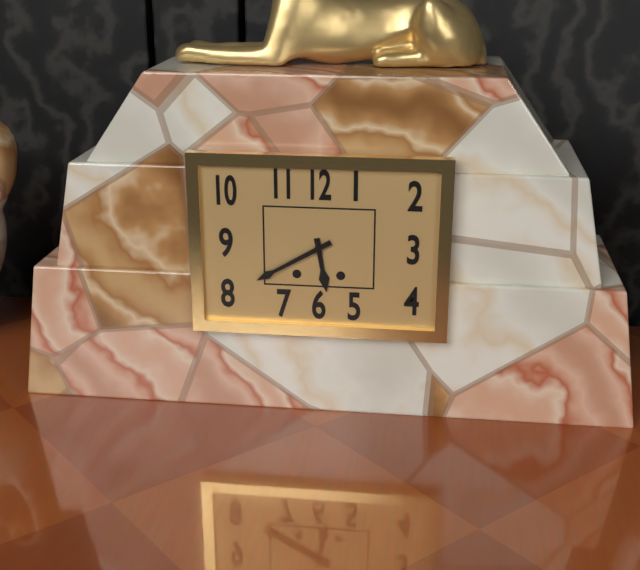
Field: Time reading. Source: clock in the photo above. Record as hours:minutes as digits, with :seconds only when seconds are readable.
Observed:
5:40
